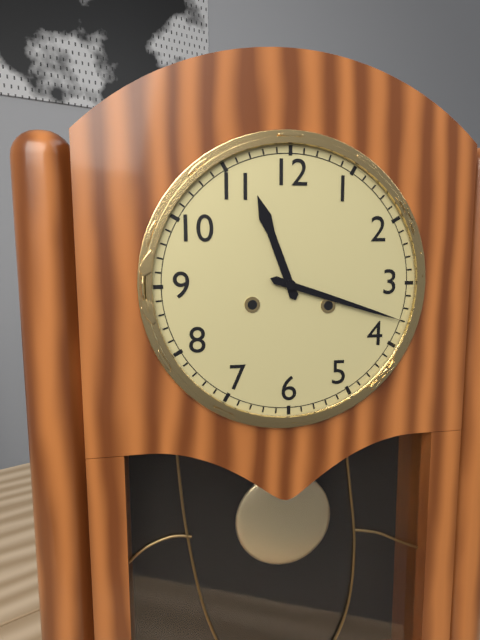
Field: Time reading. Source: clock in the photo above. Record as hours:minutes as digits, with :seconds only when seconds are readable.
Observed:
11:18
